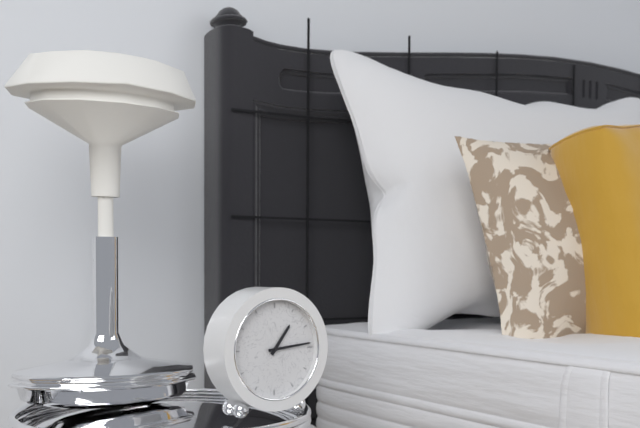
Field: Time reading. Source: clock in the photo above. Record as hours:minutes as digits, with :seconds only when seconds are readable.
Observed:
1:14
